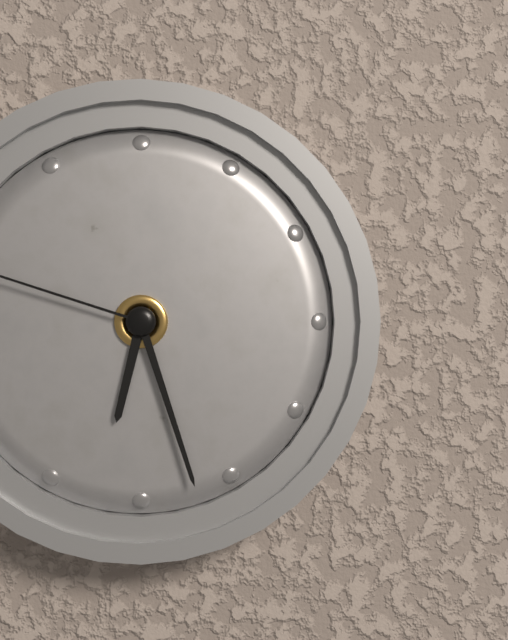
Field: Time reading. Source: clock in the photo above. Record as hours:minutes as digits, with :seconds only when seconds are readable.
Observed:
6:27
